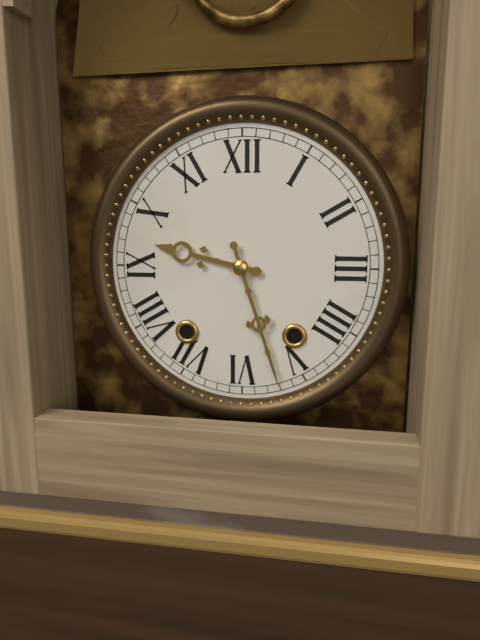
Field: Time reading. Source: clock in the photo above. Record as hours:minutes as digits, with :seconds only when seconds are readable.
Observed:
9:27
